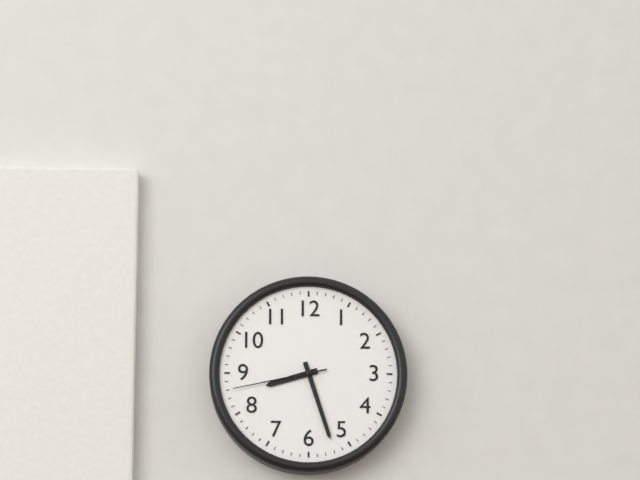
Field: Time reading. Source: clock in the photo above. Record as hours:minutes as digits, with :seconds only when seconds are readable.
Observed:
8:27:43
